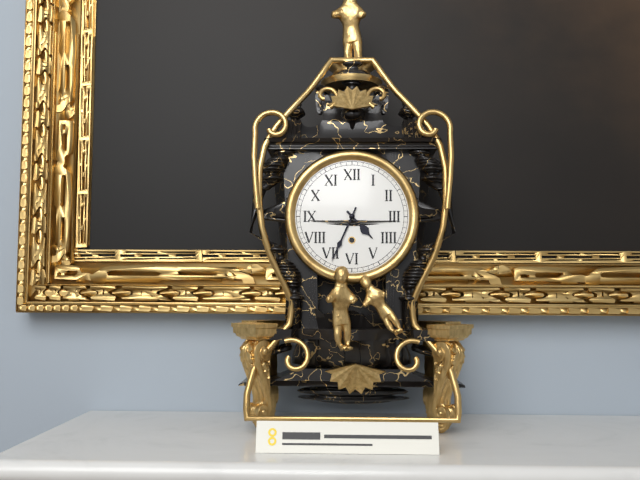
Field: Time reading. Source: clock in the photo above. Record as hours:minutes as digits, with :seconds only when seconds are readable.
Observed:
4:34
